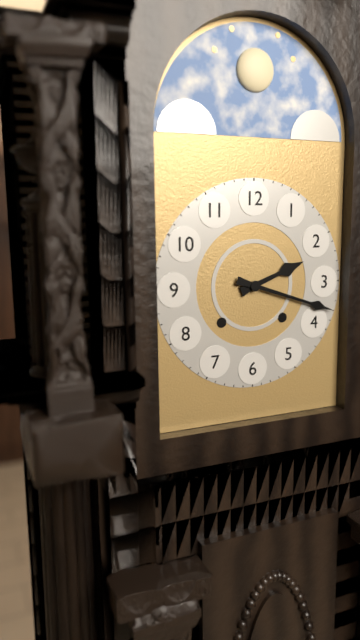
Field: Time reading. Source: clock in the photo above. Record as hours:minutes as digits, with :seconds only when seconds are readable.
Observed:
2:18
